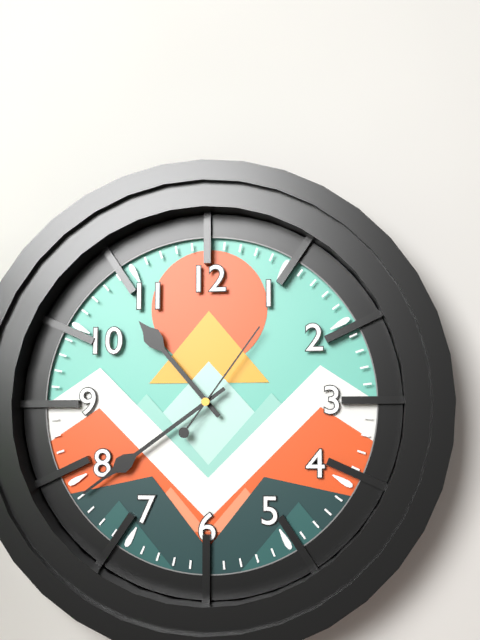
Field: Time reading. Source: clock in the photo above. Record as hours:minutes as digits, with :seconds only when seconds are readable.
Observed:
10:39:06
